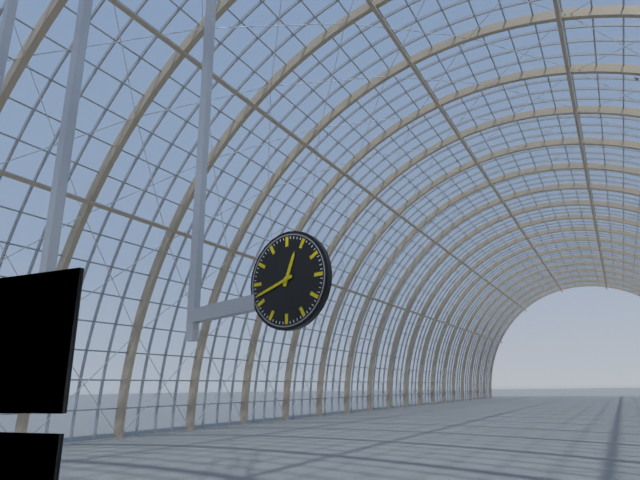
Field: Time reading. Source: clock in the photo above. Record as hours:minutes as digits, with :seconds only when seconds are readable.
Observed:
12:42
